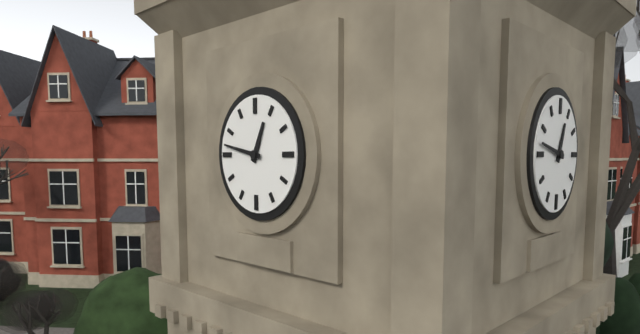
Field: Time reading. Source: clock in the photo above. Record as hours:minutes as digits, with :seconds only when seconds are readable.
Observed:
12:47
